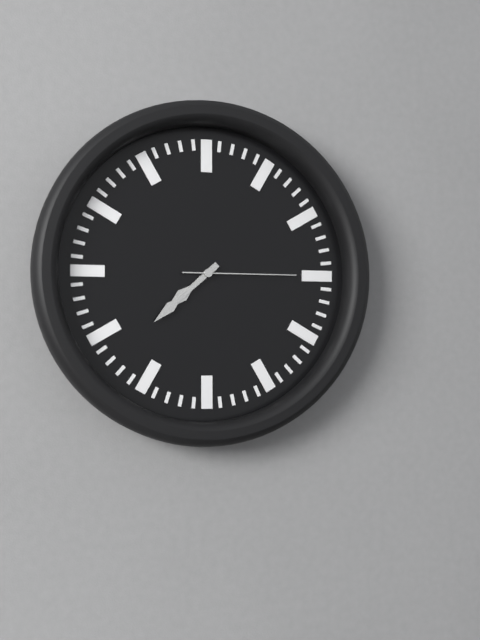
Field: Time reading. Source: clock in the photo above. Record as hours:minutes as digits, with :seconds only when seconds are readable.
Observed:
7:38:15
